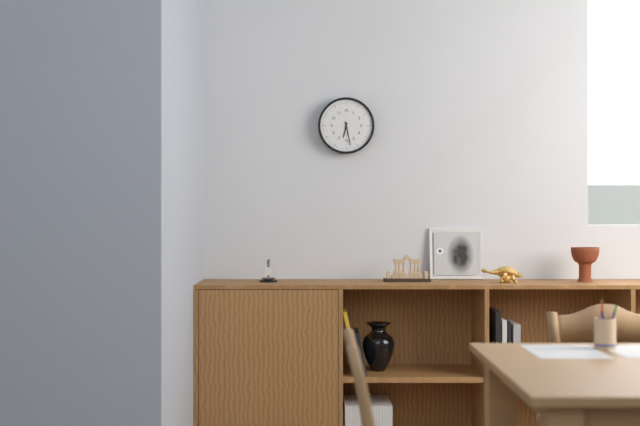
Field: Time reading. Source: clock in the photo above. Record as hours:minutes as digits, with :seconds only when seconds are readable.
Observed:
6:28
